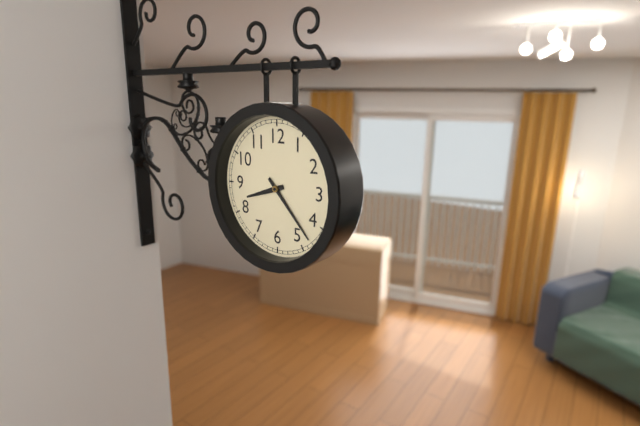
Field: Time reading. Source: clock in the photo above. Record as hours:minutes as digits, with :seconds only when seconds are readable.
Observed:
8:23
